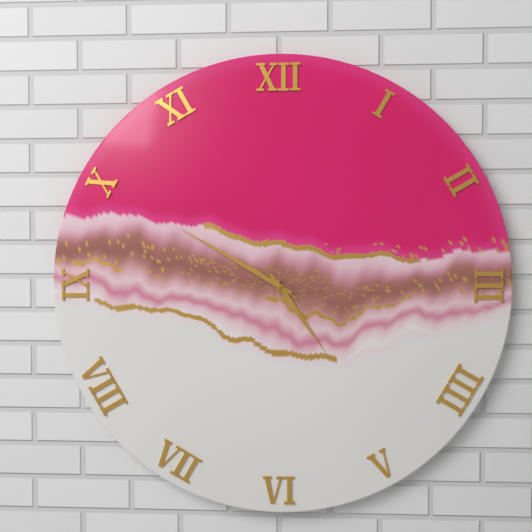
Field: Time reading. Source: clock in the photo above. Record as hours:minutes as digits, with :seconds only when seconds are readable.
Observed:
4:50:51
